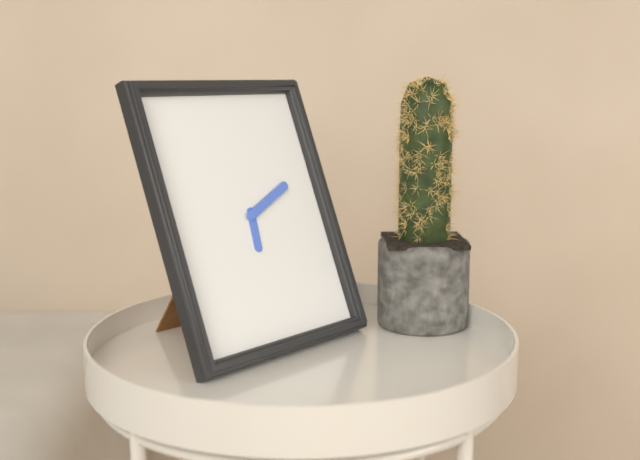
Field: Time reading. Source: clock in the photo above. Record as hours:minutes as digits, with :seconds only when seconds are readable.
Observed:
6:11
